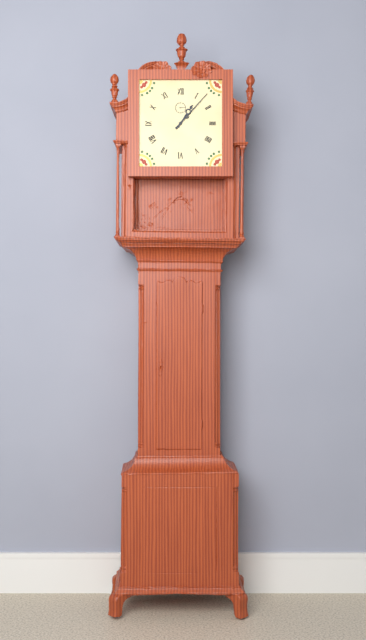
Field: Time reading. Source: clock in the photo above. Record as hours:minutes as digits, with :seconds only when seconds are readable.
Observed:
1:07
